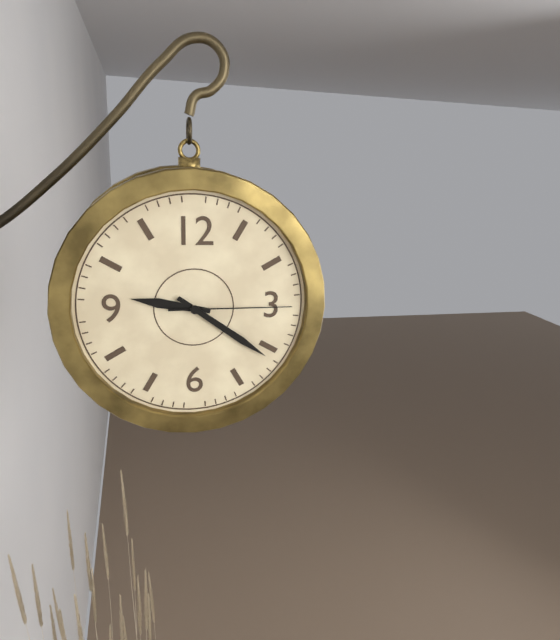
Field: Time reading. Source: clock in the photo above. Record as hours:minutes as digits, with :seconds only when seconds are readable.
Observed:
9:21:15
